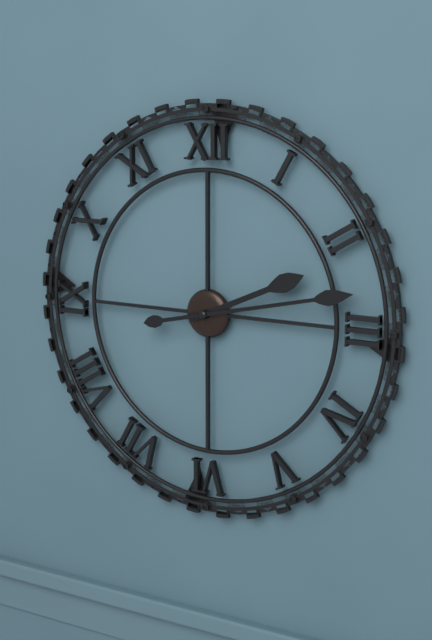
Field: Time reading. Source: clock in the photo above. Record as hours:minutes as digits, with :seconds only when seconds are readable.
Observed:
2:13
